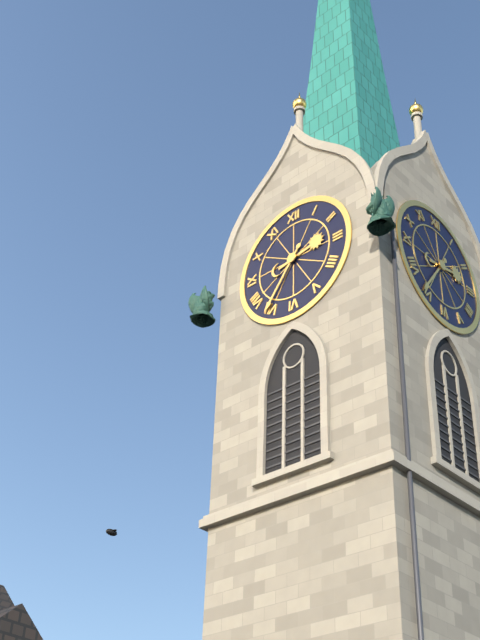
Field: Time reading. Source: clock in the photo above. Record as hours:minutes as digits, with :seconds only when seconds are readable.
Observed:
2:36
